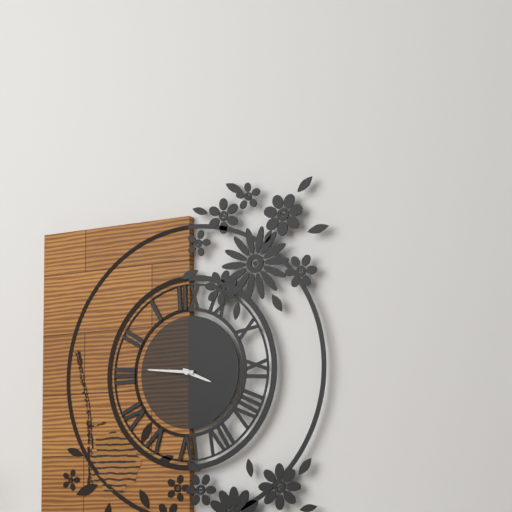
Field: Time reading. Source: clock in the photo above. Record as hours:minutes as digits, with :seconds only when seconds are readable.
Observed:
3:46
